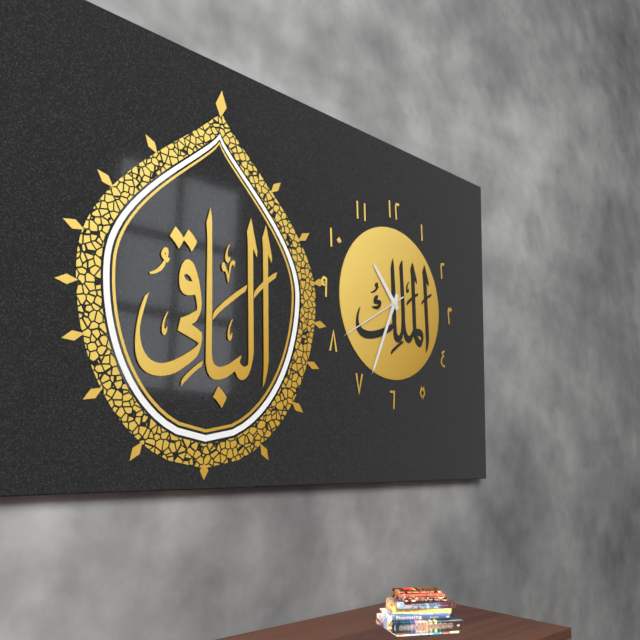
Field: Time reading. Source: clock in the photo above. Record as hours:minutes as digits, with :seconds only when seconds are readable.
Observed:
10:34:40
